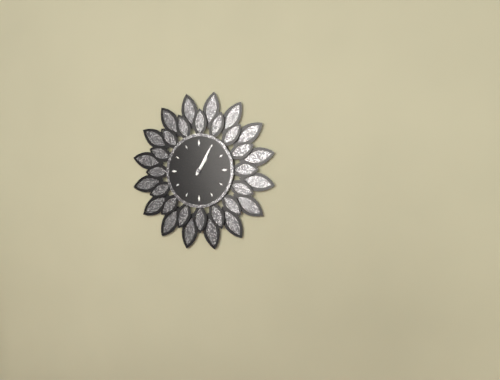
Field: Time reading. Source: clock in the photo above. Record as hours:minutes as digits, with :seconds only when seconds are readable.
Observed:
1:05
